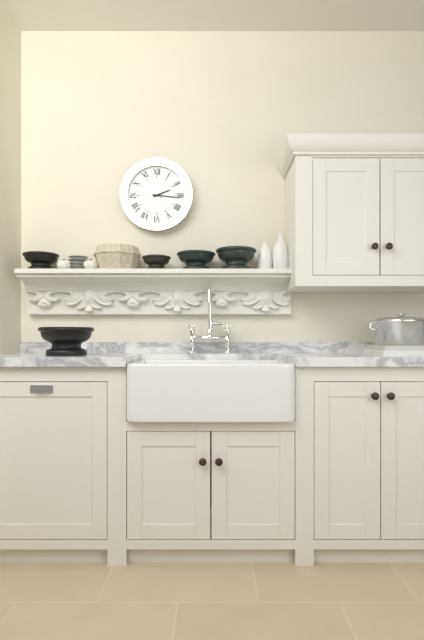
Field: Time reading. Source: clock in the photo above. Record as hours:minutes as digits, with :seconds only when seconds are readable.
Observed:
2:16
